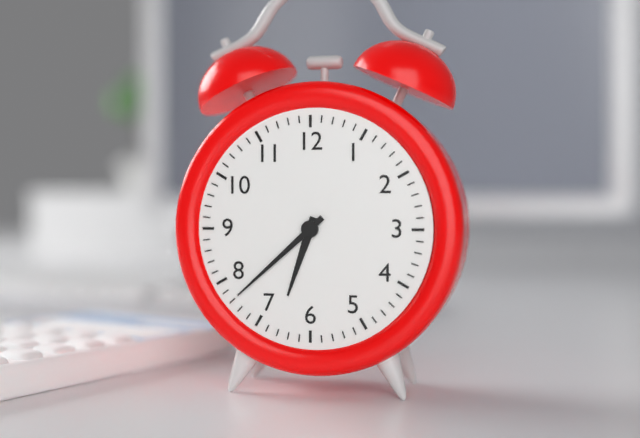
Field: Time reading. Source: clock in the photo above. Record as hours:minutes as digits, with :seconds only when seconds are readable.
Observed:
6:38
